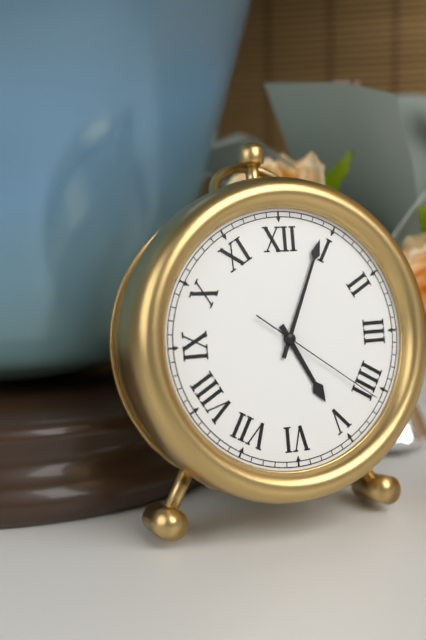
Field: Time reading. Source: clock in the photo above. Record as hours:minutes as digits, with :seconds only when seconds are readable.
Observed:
5:04:21
